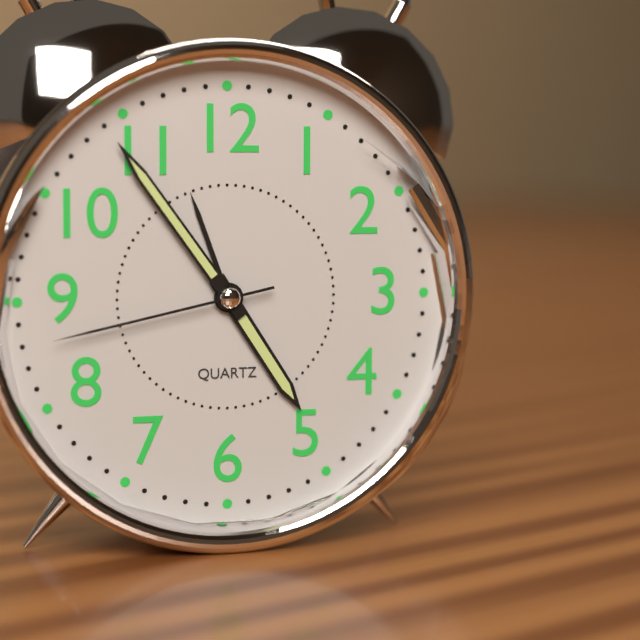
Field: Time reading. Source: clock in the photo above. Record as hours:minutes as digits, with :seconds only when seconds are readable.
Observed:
4:54:43
